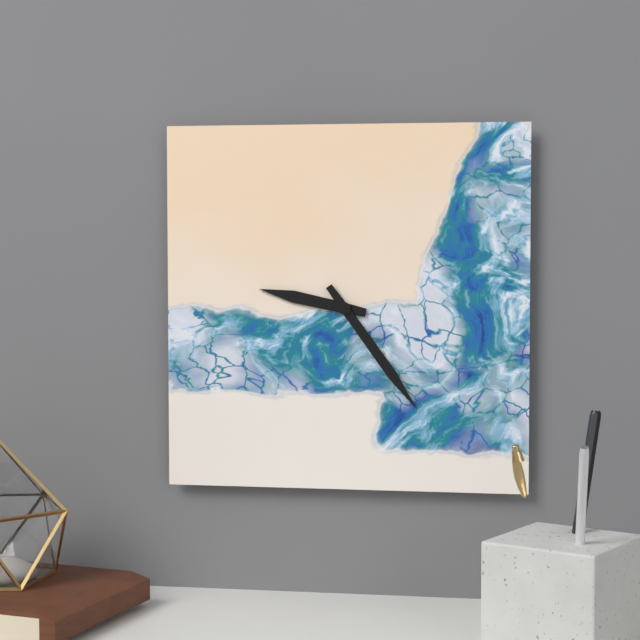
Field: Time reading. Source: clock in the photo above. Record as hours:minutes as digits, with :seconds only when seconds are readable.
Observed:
9:24
